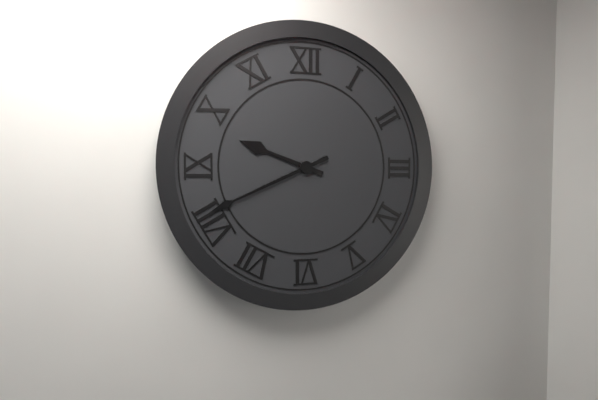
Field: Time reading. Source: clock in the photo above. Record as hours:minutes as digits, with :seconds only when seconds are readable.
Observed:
9:41
